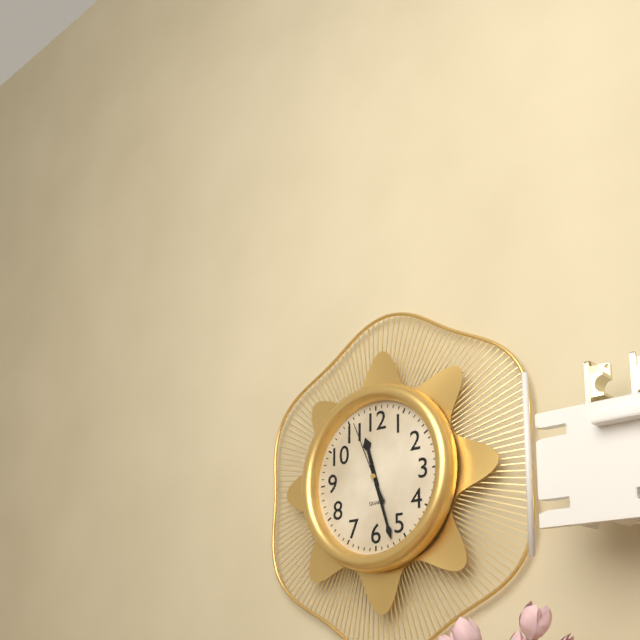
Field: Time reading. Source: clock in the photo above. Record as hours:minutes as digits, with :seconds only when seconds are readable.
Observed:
11:27:56
